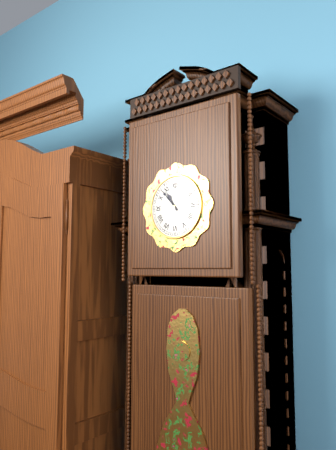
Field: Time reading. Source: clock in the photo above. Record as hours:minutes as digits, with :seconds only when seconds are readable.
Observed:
10:53
